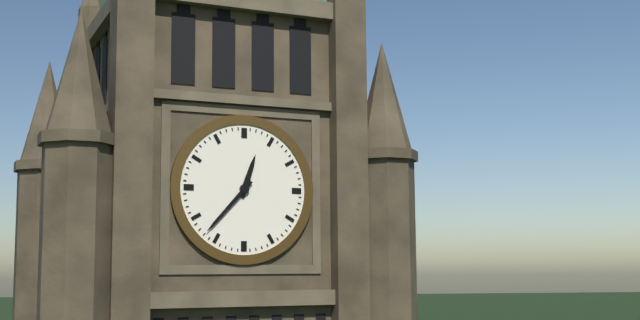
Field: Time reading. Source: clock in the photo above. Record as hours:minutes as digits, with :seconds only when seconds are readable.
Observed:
12:37
